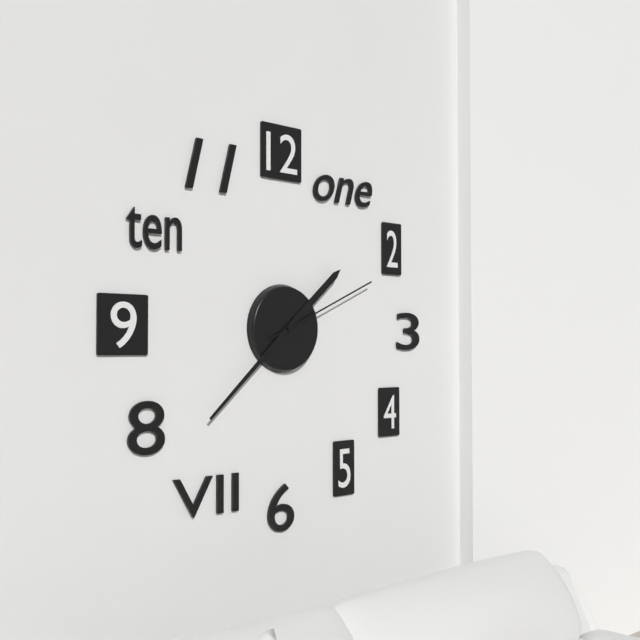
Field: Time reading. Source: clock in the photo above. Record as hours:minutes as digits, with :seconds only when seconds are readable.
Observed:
1:38:11
